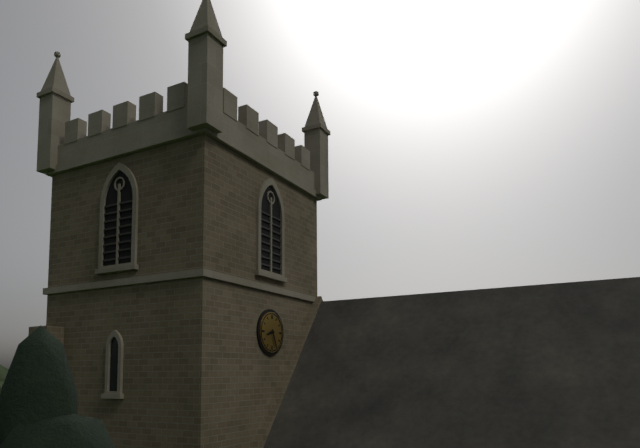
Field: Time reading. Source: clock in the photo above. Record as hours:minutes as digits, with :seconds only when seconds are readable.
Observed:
8:26
